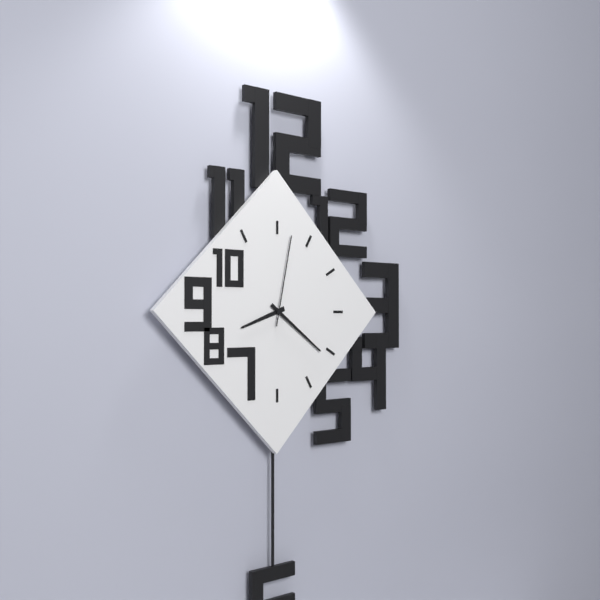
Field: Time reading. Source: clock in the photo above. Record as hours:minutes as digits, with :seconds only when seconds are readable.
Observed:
8:21:02
